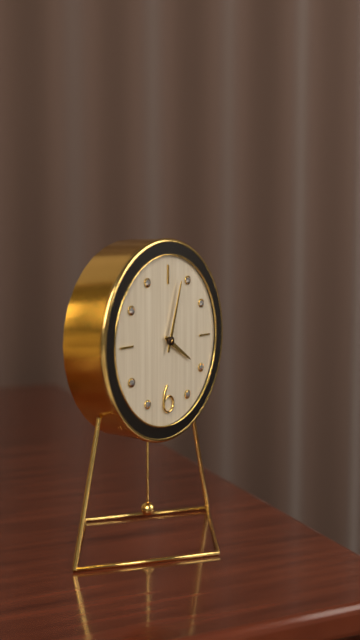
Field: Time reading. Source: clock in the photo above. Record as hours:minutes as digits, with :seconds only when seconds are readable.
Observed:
4:03
